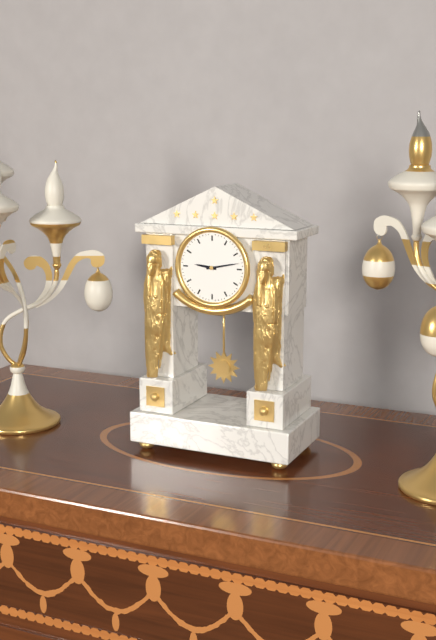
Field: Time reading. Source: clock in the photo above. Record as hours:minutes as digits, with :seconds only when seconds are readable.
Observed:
9:13
